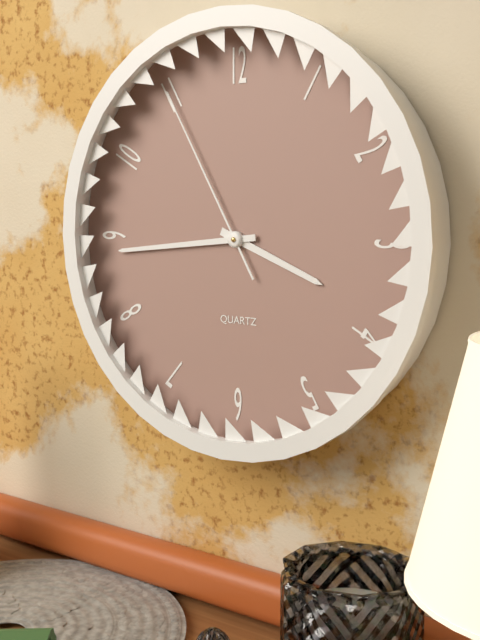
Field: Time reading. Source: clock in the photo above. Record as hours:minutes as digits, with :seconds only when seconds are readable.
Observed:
3:44:55
